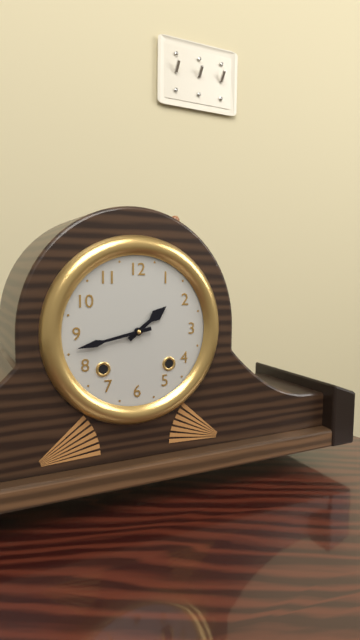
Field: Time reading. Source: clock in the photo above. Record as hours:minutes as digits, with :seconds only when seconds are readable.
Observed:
1:43
